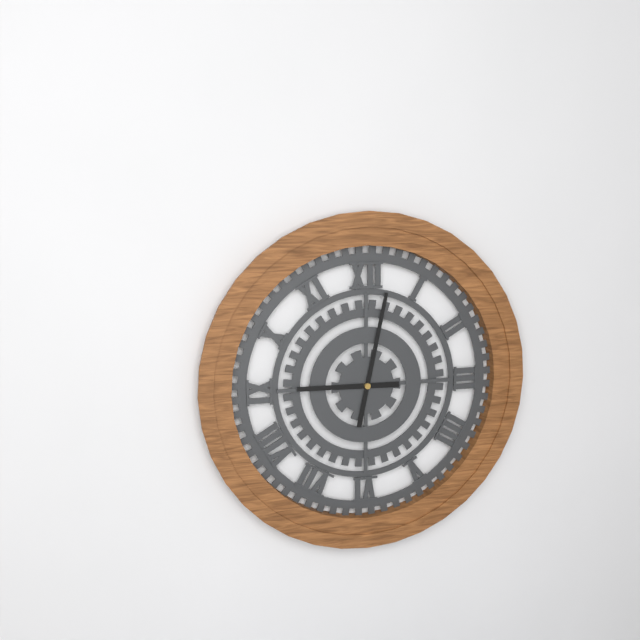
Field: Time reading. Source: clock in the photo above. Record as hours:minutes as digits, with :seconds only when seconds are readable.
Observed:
9:02
